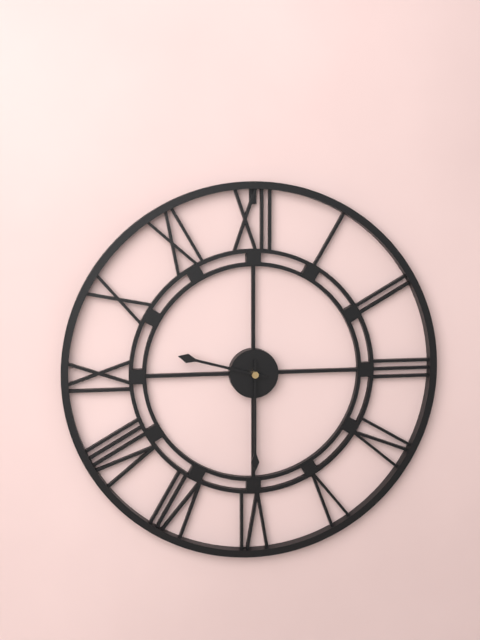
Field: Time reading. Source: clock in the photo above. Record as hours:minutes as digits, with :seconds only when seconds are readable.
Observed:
9:30
